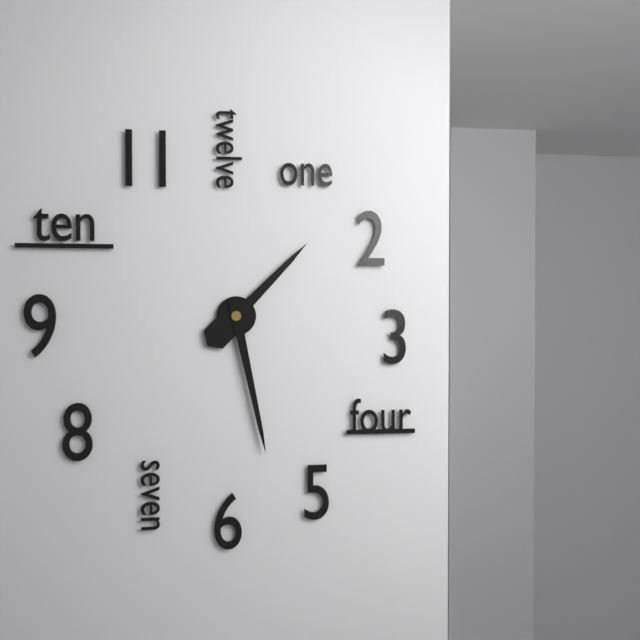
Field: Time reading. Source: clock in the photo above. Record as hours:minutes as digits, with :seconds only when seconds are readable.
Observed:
1:28
